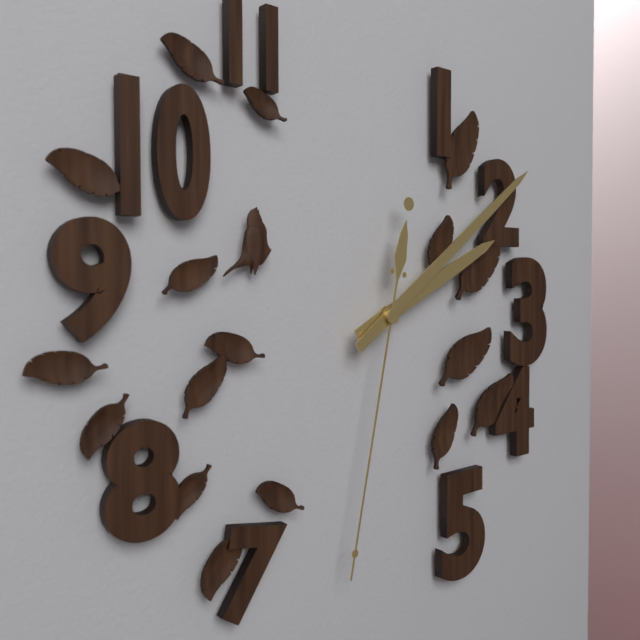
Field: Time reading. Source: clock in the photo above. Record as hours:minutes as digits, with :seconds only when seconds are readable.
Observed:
2:09:32
